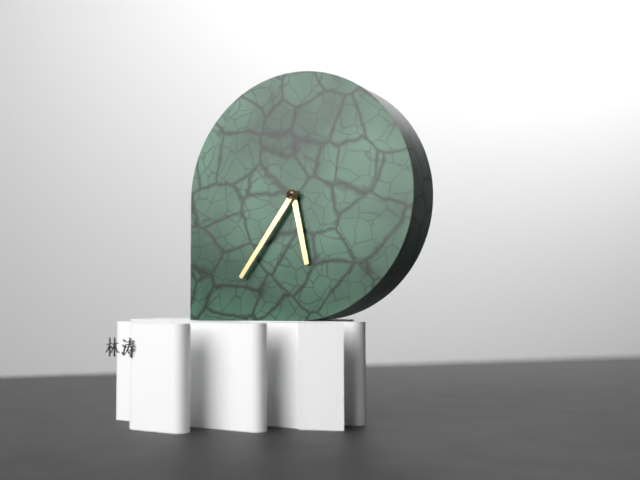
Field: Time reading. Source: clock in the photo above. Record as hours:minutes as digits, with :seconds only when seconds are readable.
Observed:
5:36
